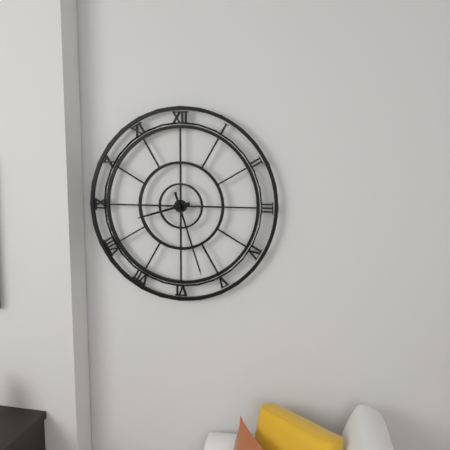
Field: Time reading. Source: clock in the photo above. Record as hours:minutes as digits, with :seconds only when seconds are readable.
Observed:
8:27
